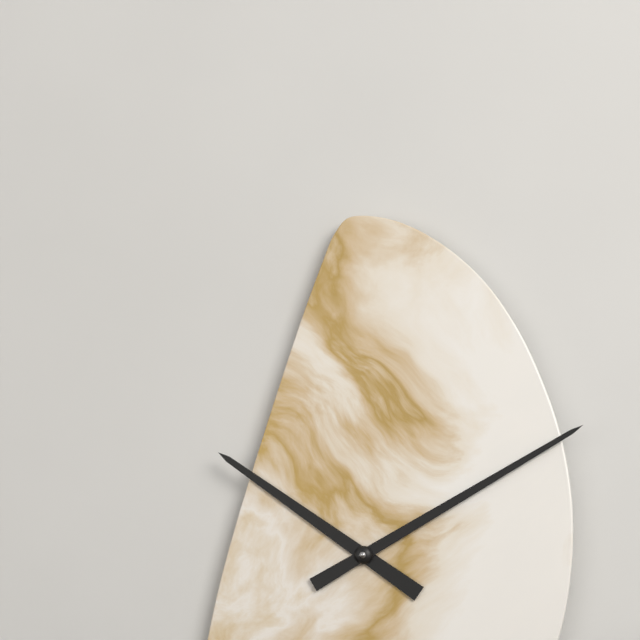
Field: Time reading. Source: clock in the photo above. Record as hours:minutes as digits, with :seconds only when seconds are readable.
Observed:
10:10
